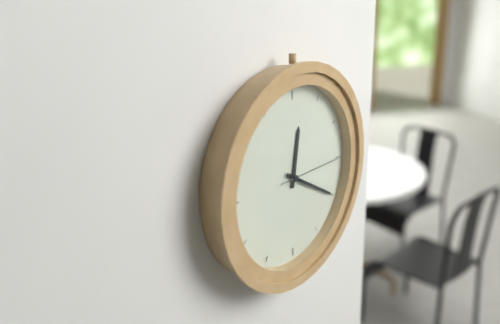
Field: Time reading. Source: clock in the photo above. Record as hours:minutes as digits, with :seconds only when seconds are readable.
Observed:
12:20:15
